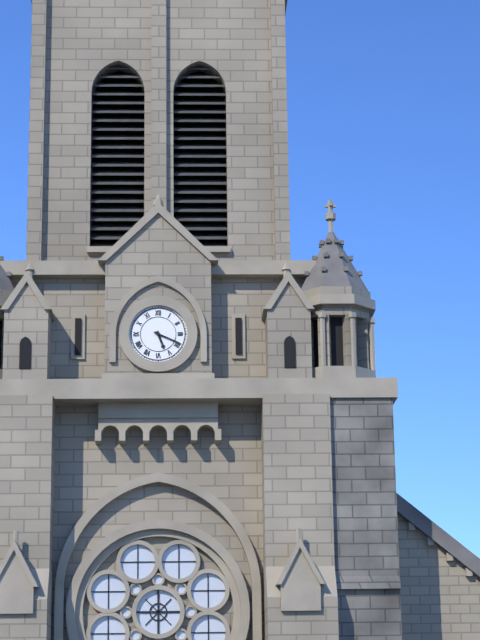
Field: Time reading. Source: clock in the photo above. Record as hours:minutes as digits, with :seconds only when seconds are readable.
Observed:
5:19
